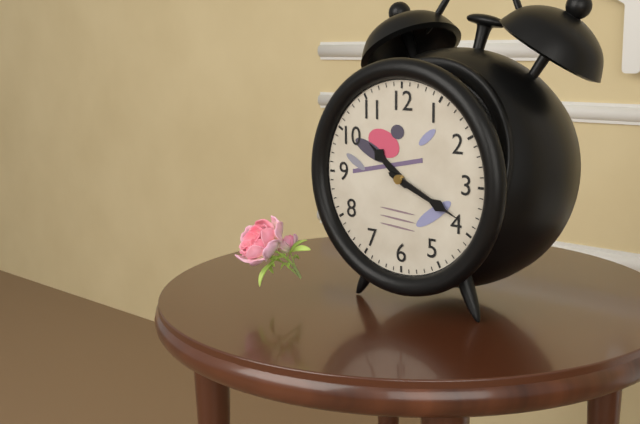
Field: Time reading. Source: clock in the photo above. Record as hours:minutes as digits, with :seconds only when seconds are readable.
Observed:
10:19
